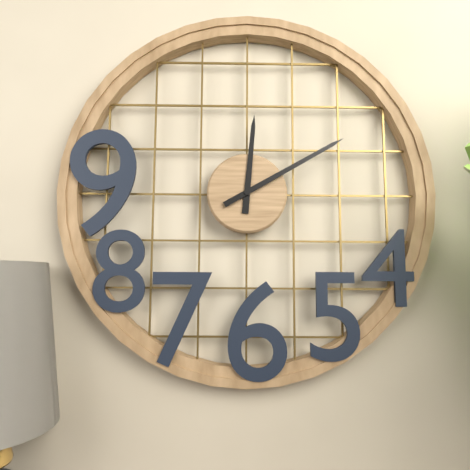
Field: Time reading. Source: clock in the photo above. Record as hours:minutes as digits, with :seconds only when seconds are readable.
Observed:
12:10
